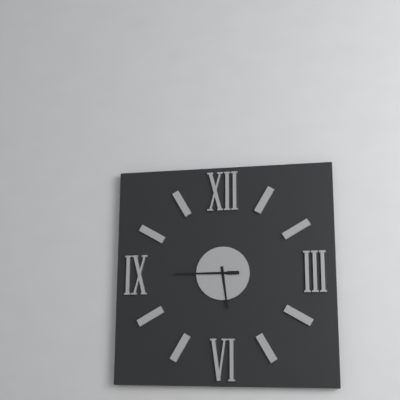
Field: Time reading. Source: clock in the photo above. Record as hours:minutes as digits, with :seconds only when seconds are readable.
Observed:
5:45
